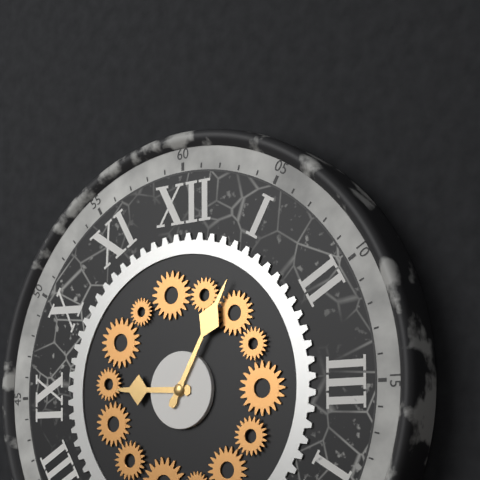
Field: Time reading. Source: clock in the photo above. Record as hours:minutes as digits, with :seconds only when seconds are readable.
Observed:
9:05
